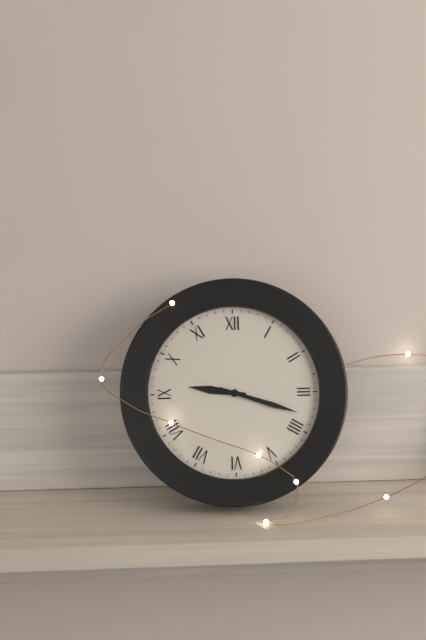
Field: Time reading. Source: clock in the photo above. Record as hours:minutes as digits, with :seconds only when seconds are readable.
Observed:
9:18
